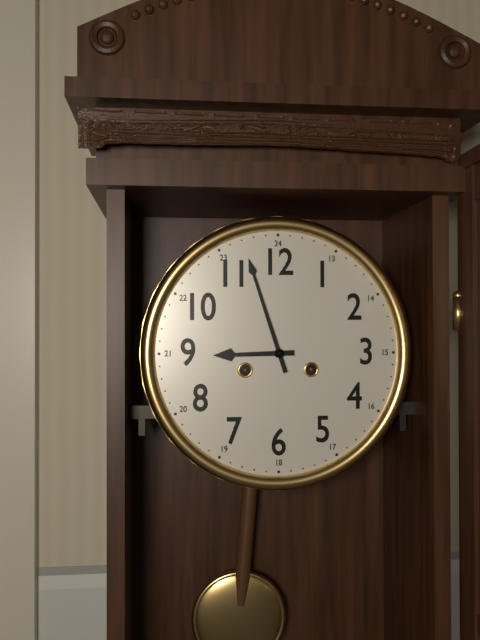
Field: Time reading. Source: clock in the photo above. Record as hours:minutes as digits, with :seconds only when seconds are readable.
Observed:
8:57
